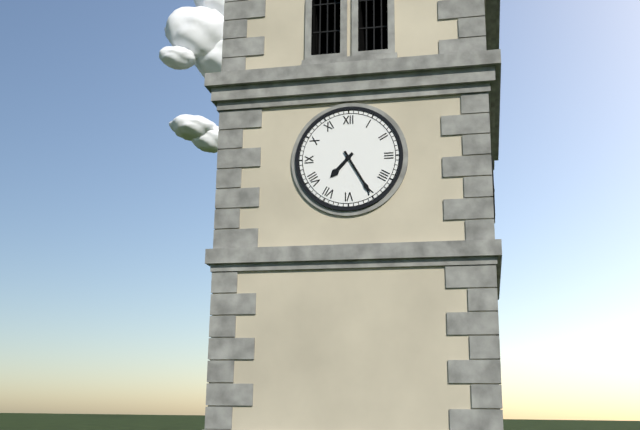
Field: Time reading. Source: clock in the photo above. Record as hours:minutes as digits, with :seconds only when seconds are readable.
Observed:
7:25
